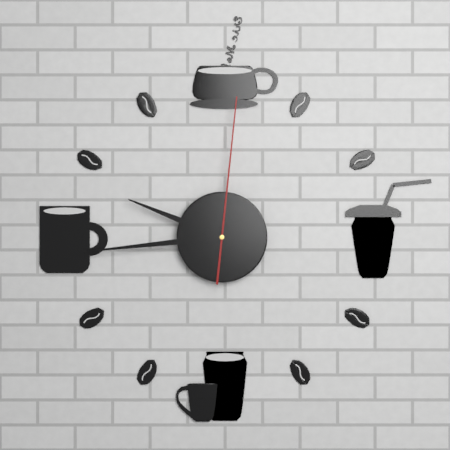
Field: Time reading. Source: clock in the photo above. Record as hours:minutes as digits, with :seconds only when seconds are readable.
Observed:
9:44:01
